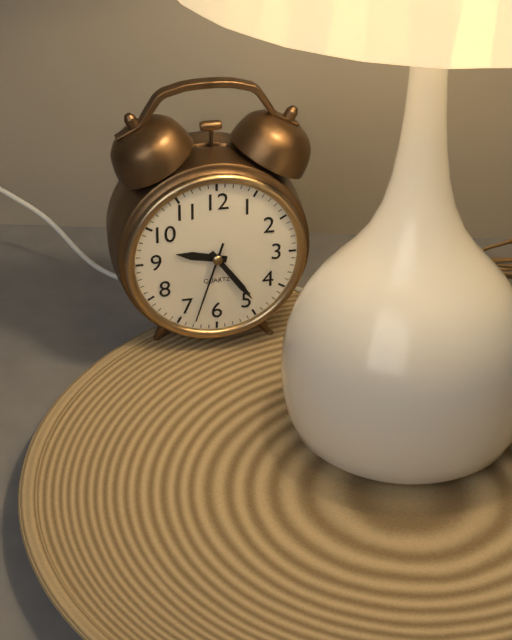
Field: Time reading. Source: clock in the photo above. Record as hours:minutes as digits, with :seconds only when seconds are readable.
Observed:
9:24:33
